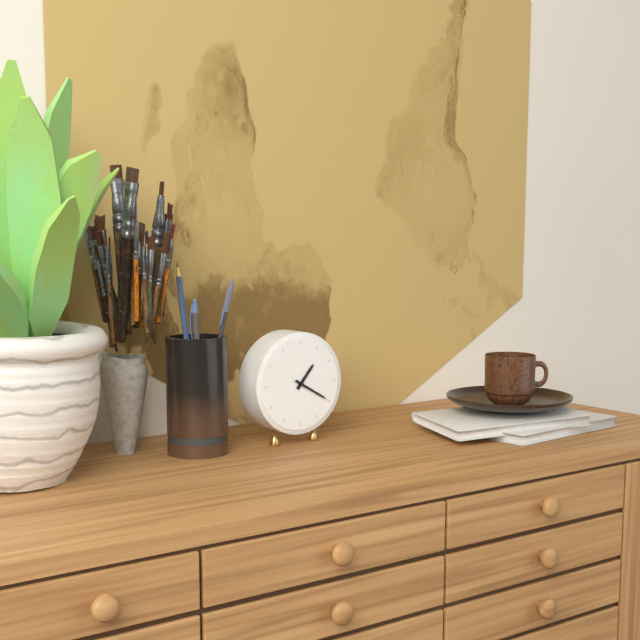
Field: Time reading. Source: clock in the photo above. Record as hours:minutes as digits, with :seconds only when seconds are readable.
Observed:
1:20
